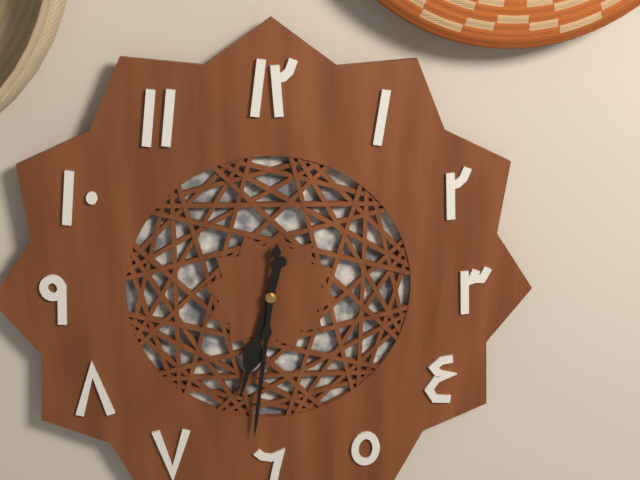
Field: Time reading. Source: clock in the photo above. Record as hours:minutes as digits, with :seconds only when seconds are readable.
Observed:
6:31
